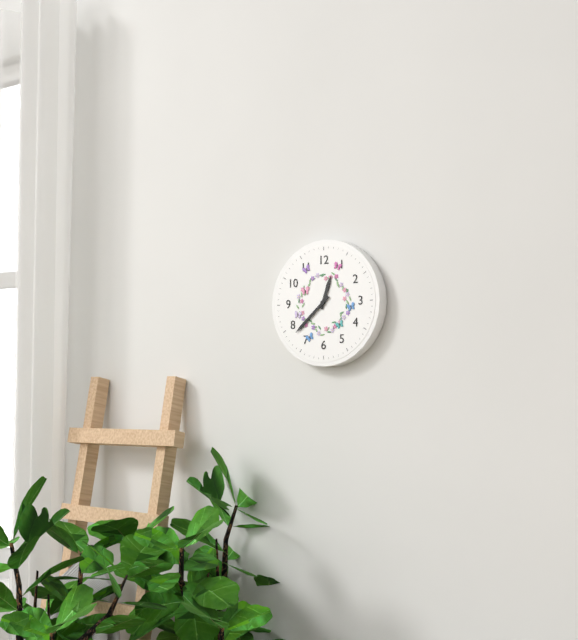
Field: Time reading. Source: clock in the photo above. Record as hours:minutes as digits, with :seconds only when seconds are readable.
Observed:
12:38
